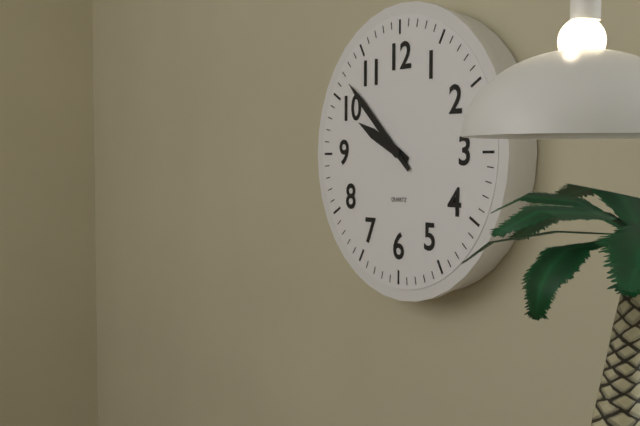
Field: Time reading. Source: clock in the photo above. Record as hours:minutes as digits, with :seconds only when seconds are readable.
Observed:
9:52
